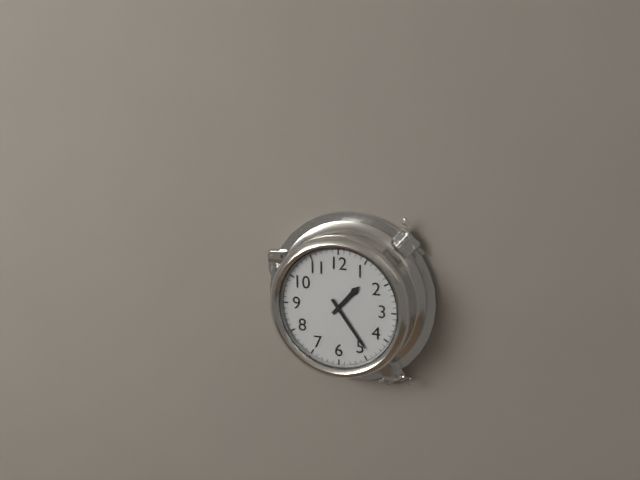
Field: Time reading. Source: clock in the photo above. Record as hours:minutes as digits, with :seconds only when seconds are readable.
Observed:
1:24
